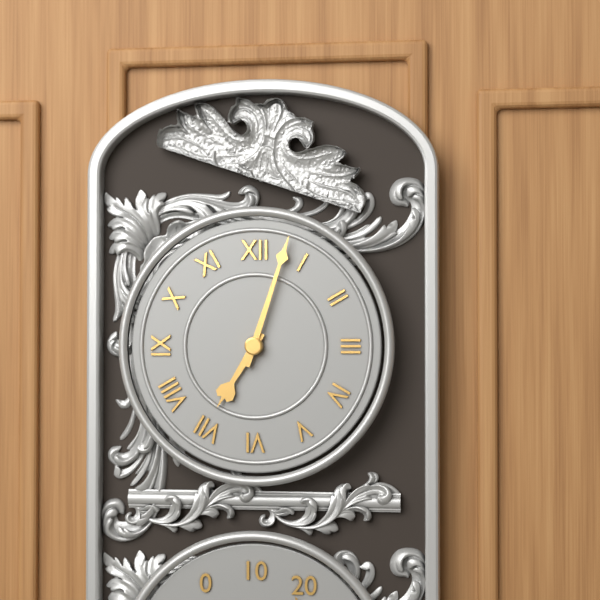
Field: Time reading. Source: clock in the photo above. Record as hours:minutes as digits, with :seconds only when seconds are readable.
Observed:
7:03
